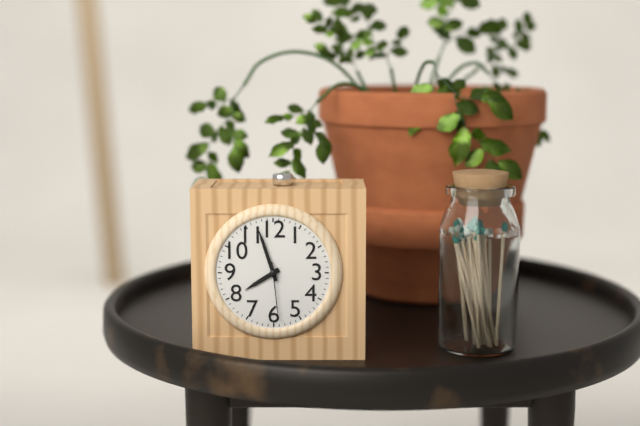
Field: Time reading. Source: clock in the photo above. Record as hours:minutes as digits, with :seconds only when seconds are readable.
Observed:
7:57:29
